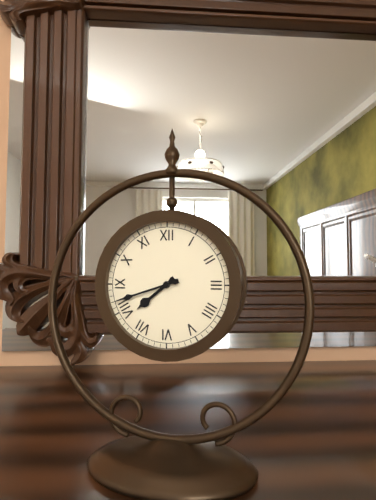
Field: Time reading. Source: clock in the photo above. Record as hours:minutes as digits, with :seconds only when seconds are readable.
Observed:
7:42
